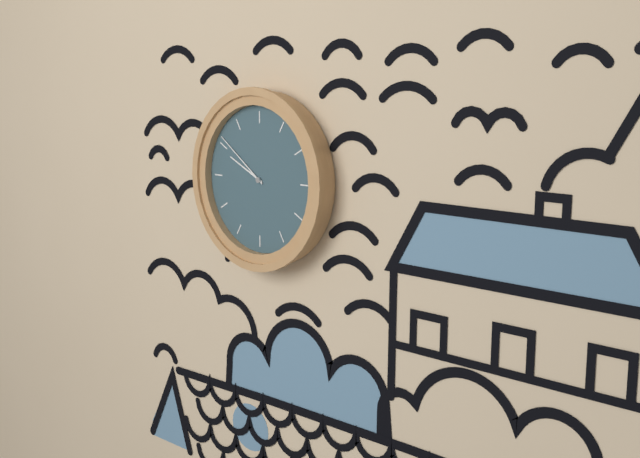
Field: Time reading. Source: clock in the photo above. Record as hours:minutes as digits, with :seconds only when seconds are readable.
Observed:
9:51
